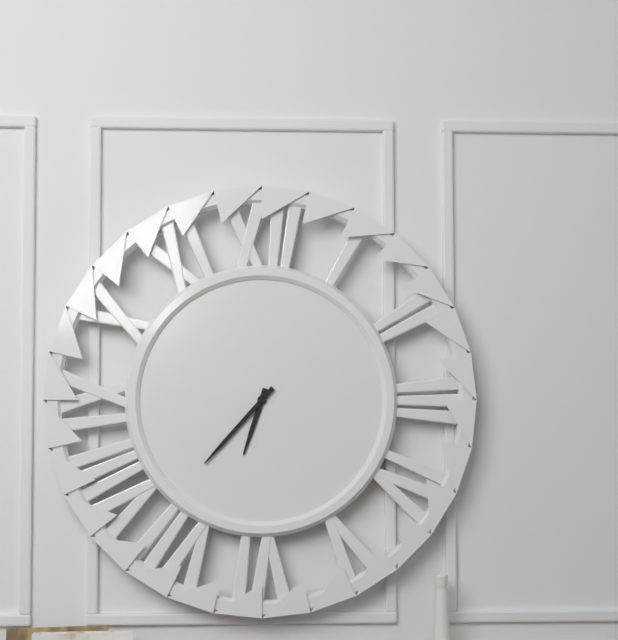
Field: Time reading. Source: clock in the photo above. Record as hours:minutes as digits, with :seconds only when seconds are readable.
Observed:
6:37
